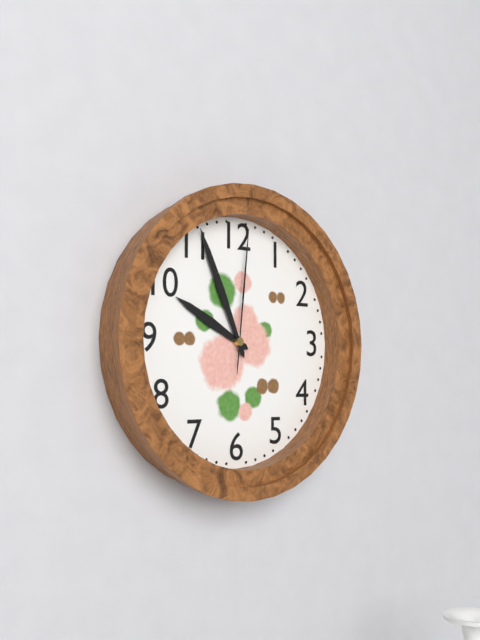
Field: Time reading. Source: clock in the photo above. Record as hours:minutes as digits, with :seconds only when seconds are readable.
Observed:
9:56:01
